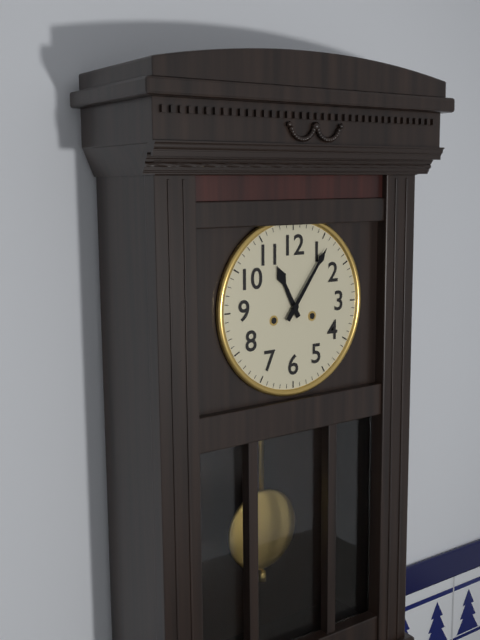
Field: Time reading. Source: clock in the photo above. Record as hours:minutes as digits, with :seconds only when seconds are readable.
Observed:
11:06
